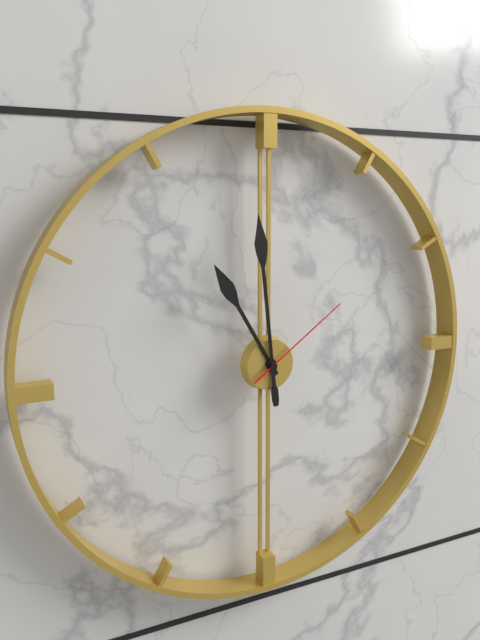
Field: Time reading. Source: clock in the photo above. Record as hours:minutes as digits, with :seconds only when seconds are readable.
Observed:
10:59:09
